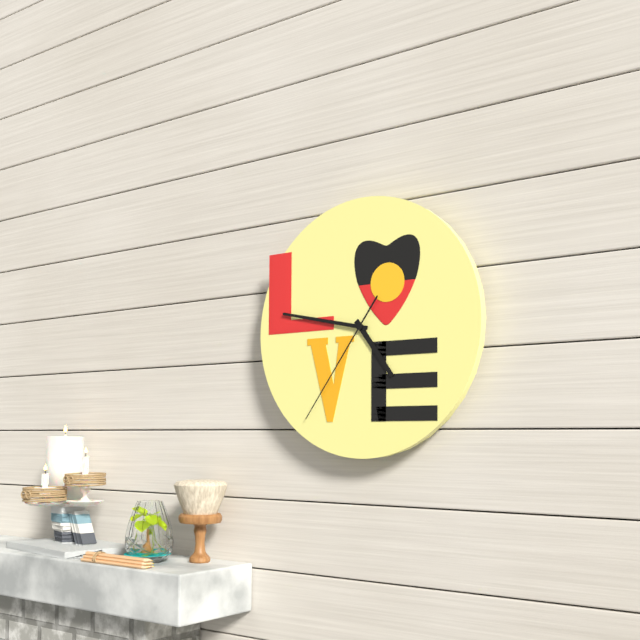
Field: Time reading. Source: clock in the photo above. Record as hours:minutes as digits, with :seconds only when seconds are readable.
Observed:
4:47:36
